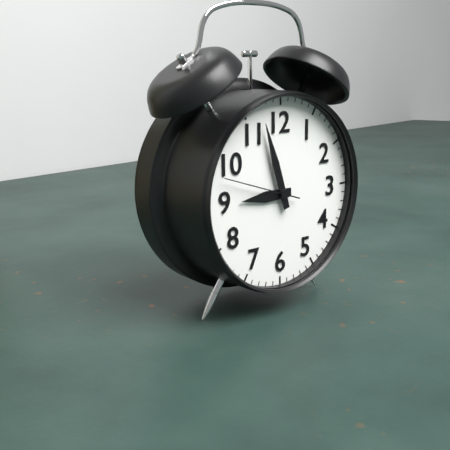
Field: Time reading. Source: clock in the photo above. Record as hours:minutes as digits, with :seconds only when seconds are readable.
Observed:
8:57:48
